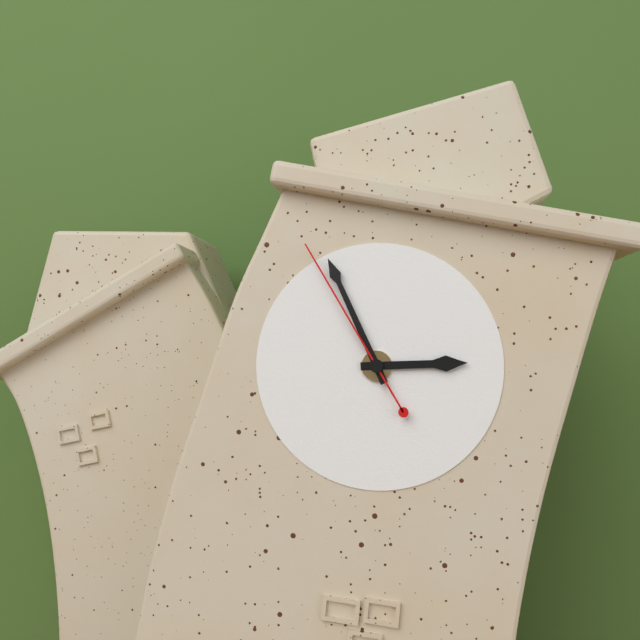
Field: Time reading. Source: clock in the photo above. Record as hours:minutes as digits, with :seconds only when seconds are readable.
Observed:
2:56:55
